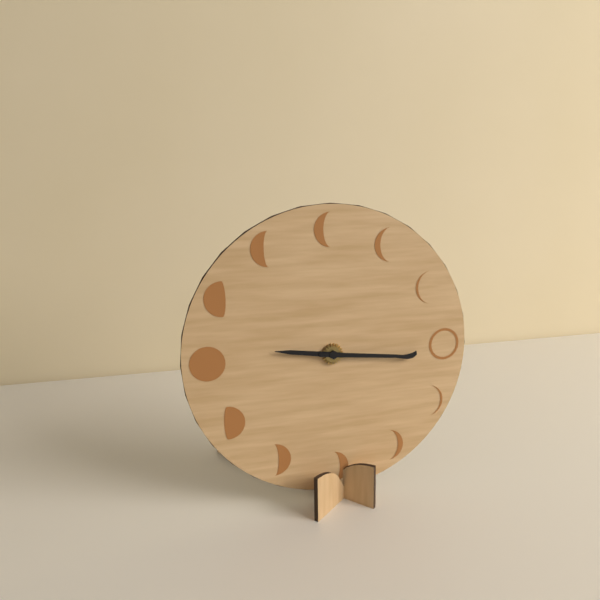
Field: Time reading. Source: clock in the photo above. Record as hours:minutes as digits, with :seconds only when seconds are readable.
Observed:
9:16
